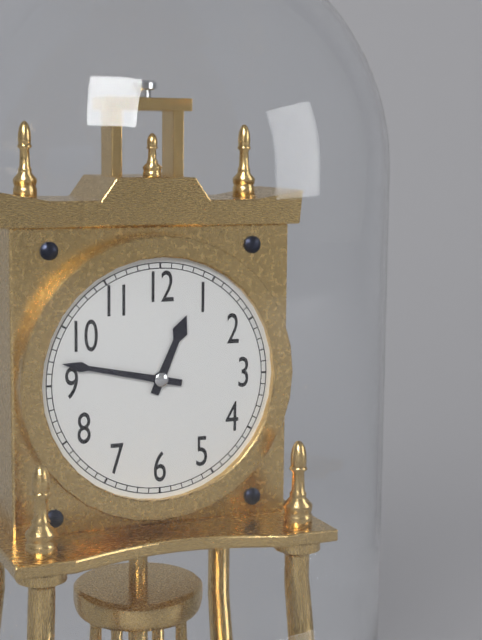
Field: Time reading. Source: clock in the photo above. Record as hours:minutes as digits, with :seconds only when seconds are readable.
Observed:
12:47
